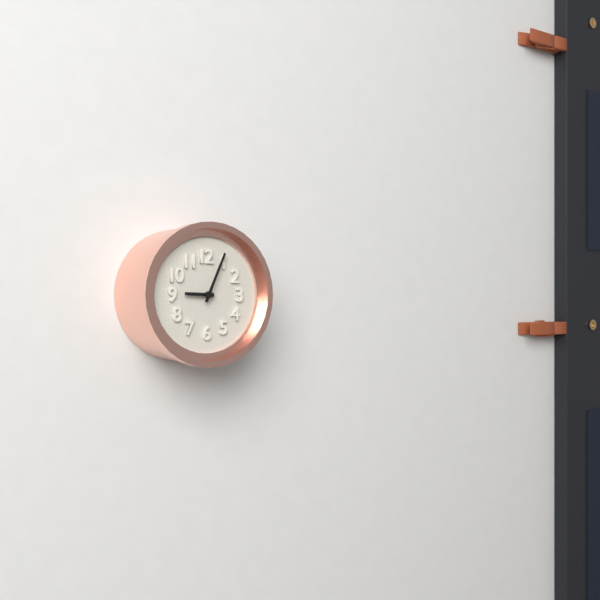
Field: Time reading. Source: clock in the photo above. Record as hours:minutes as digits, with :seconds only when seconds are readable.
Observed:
9:04
